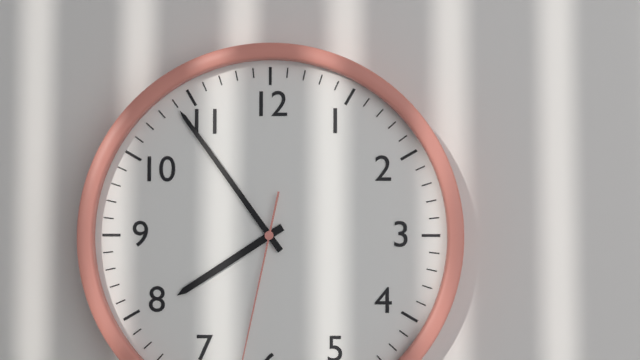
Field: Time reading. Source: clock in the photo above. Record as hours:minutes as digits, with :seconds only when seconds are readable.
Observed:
7:54
